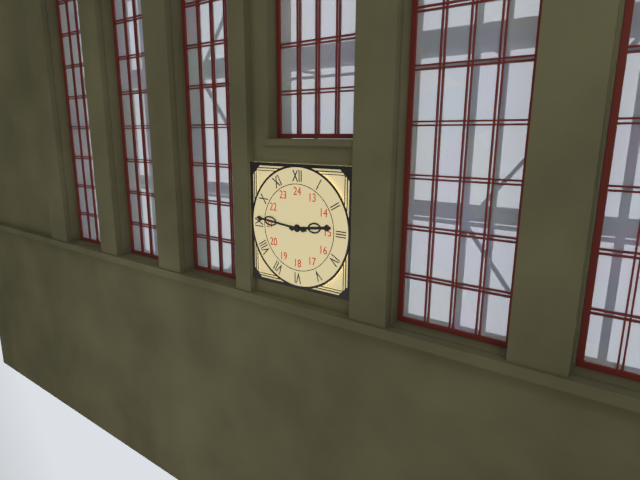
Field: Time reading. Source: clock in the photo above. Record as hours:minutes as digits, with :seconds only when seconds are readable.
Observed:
2:46
